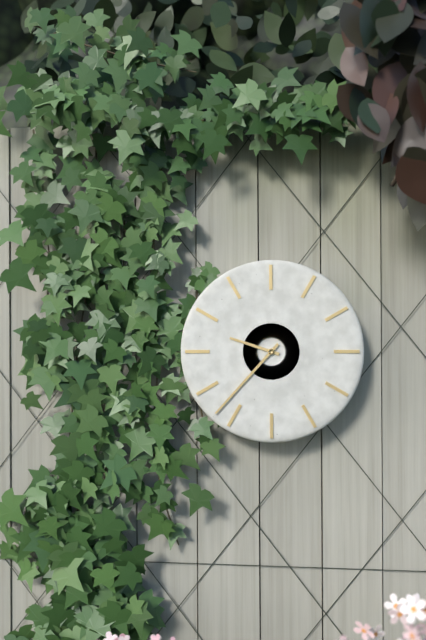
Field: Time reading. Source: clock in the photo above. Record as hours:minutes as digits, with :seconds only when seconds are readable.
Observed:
9:37
